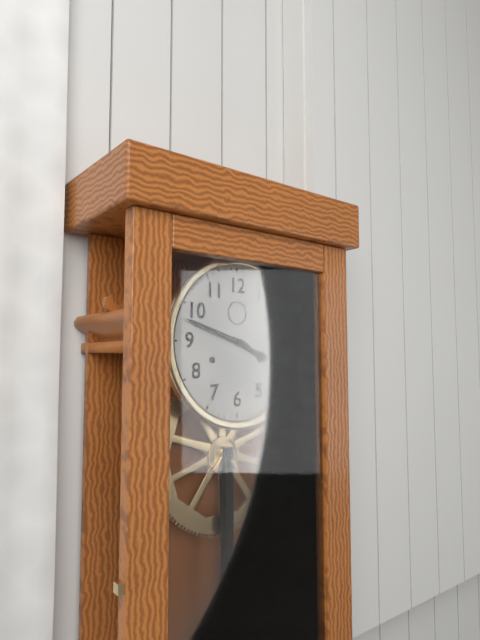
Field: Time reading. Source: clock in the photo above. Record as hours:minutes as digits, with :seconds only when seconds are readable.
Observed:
3:48
